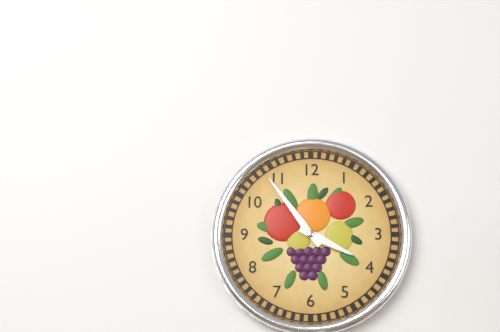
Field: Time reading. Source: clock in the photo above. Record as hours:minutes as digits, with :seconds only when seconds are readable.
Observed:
3:54
